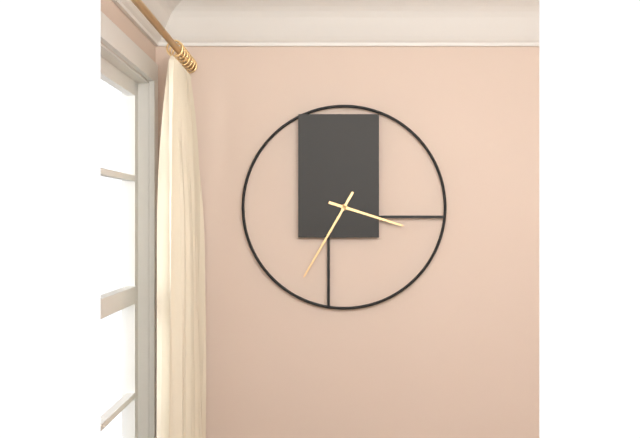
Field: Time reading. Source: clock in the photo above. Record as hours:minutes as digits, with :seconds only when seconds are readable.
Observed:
3:35
